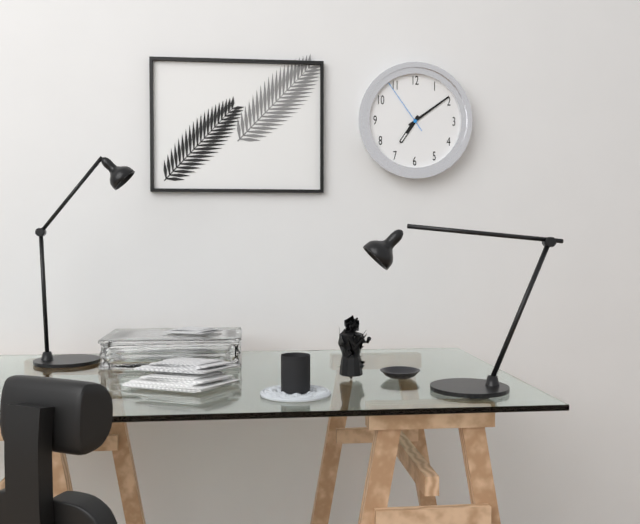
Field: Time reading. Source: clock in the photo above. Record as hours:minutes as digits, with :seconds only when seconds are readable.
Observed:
7:09:54
